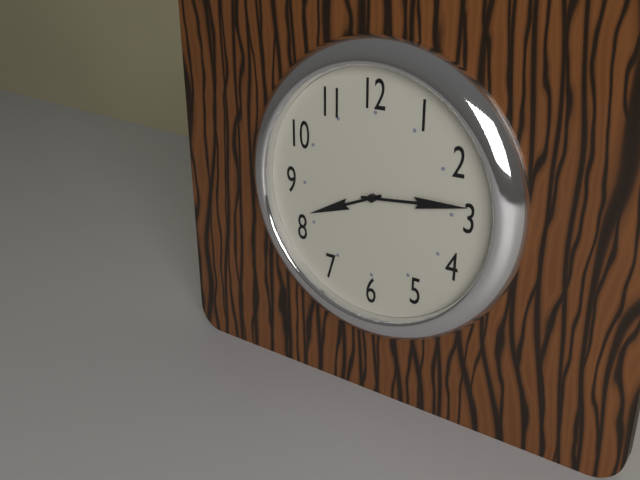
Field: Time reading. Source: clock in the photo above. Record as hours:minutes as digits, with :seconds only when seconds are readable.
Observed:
8:14
